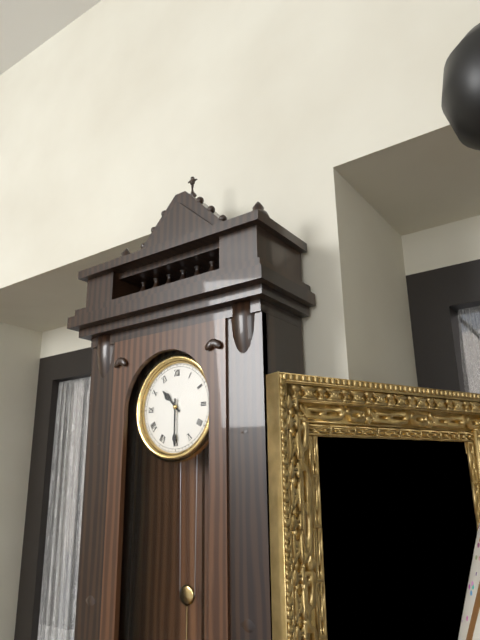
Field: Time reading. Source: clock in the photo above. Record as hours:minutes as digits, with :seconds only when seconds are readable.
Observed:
10:30
